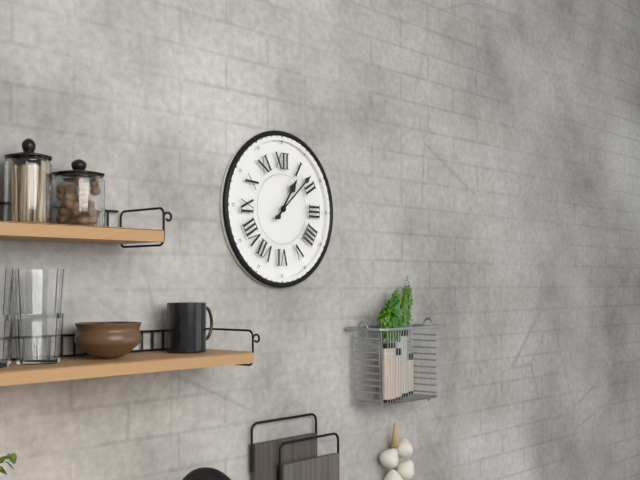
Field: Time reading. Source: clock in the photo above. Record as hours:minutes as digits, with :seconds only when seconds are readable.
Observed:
1:08
